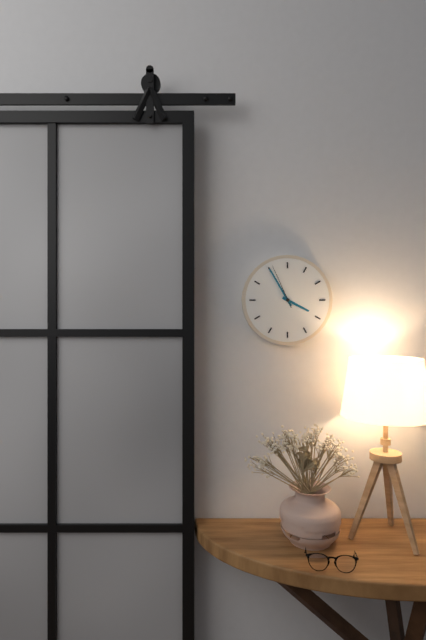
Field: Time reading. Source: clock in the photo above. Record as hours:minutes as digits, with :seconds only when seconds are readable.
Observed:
3:55
